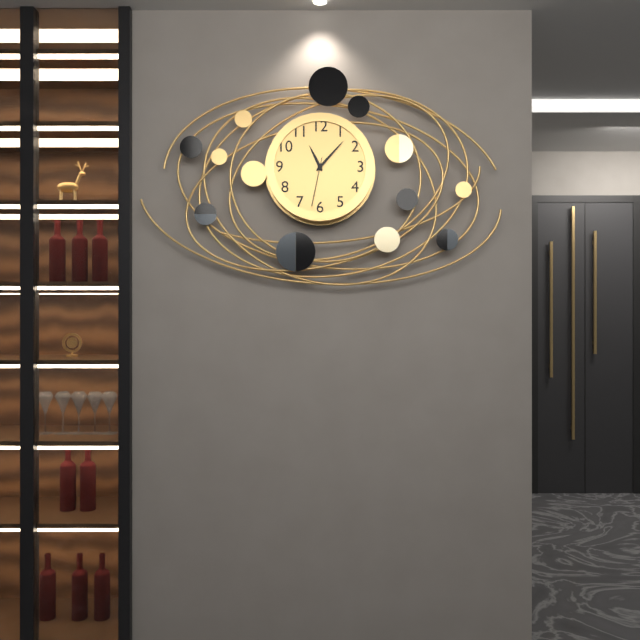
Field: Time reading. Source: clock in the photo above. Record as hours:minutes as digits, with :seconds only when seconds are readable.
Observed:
11:07:32
